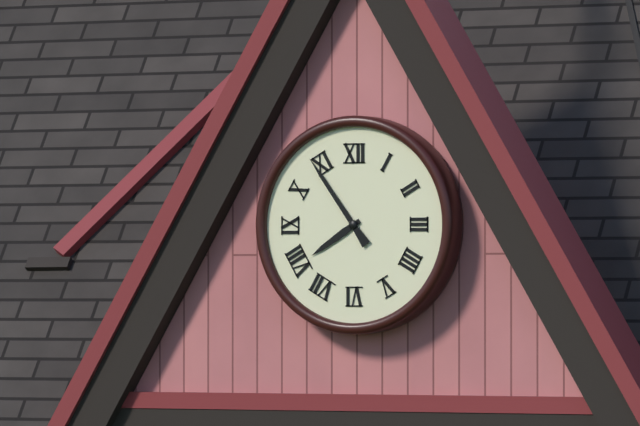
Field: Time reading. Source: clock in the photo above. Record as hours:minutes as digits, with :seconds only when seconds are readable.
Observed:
7:54
